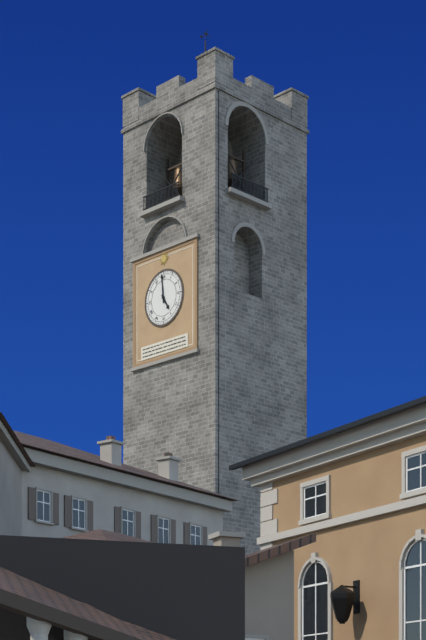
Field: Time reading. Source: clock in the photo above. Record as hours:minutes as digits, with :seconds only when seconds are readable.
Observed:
4:59
